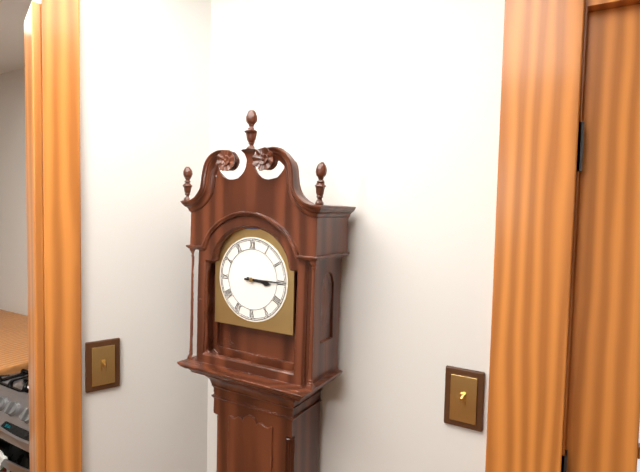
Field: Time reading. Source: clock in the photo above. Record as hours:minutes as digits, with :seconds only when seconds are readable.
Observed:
3:15
